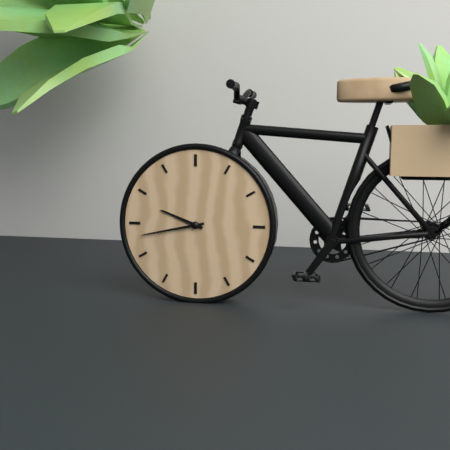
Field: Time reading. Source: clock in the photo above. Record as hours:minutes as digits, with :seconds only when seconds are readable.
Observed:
9:43
